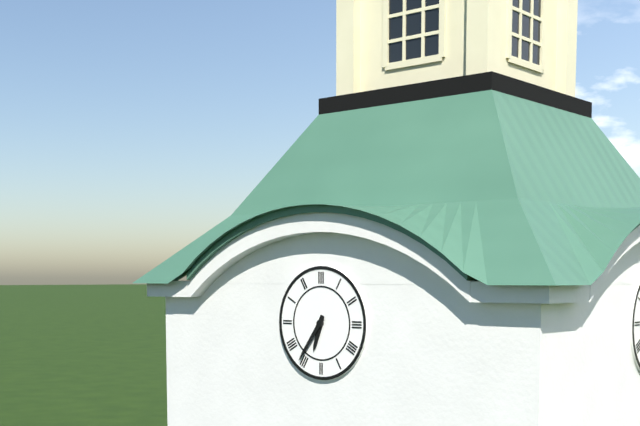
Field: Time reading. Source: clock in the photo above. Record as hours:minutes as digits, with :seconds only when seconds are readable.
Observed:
6:36
